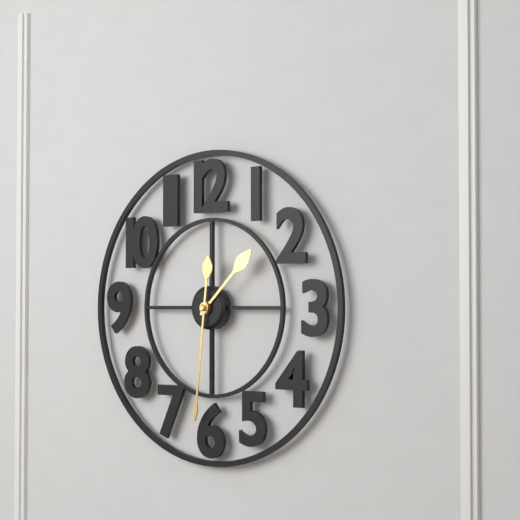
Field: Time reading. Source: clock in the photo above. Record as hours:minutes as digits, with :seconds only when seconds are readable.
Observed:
1:31
